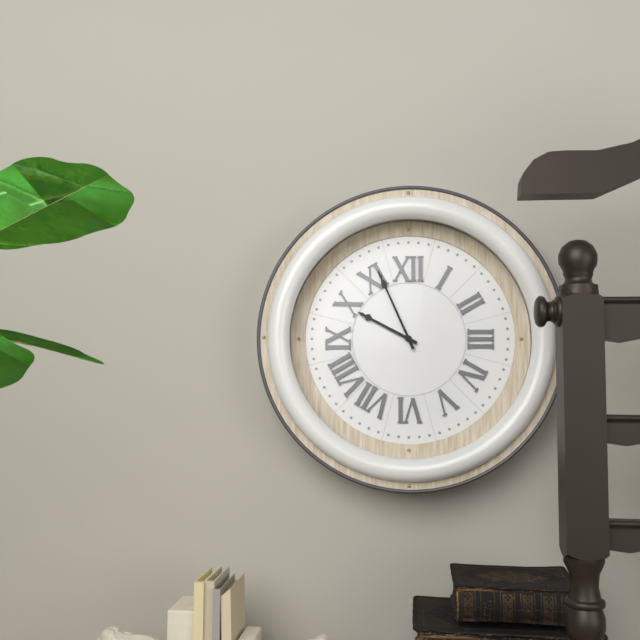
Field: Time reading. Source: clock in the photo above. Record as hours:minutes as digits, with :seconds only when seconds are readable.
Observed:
9:56
